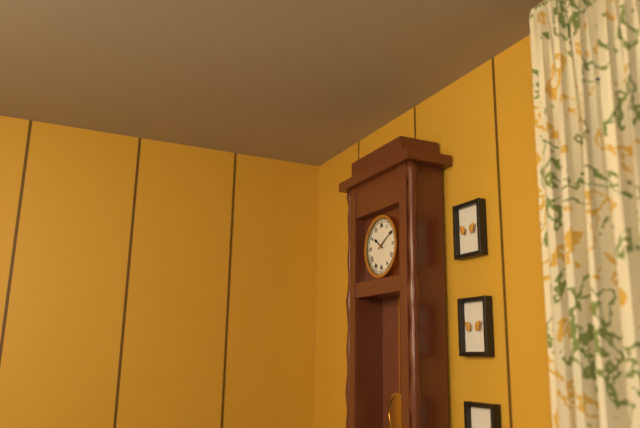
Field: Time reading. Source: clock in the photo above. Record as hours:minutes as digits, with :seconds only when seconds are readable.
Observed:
10:10
